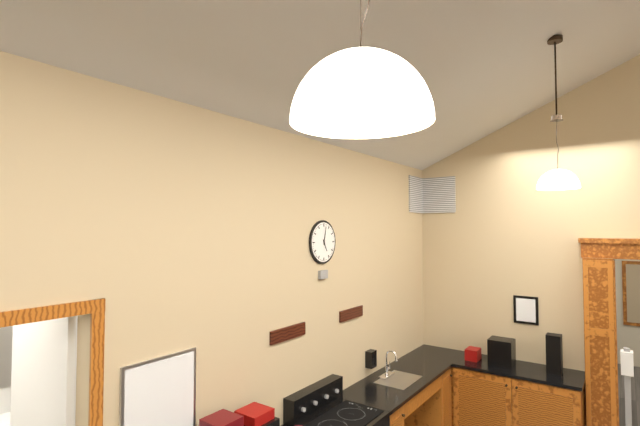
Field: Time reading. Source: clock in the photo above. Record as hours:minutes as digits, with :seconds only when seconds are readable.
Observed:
5:02
